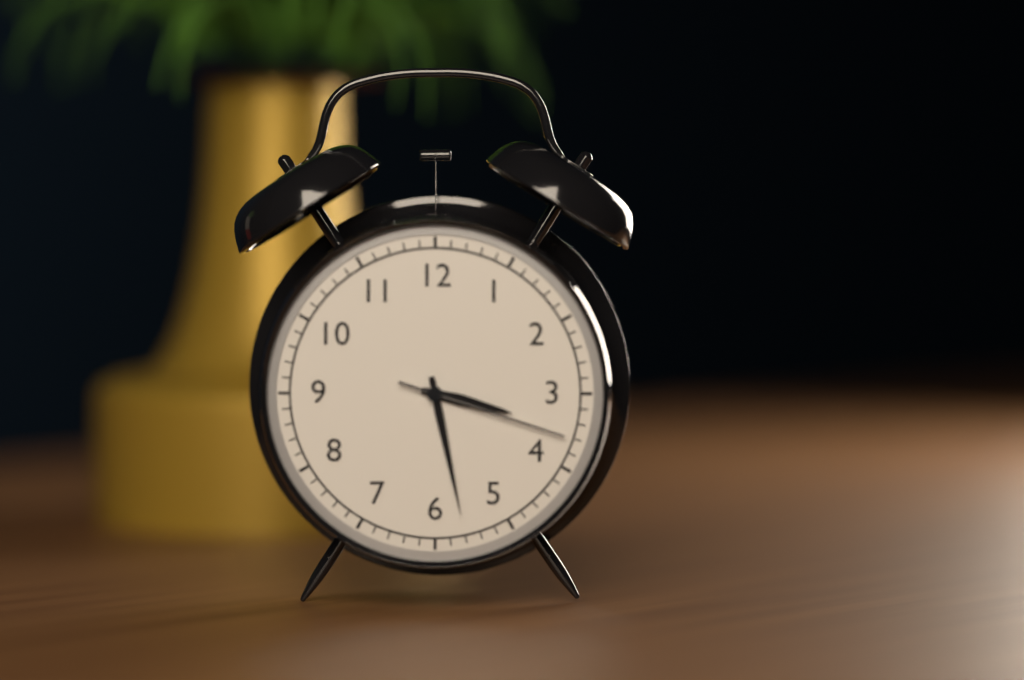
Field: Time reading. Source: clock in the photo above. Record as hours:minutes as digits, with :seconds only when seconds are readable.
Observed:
3:28:18
